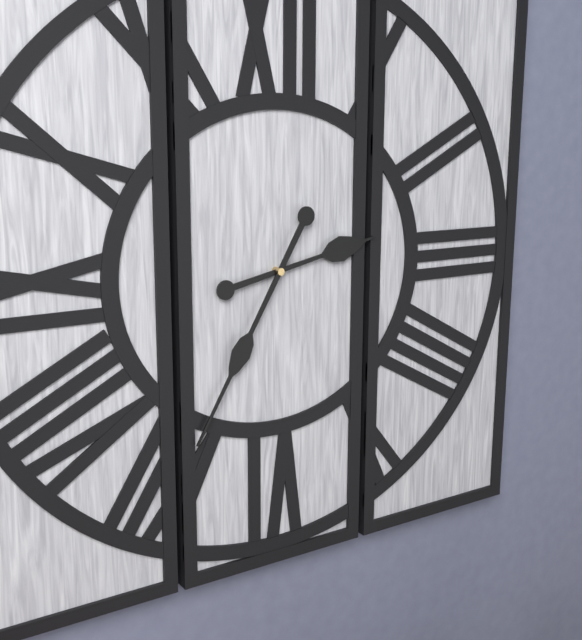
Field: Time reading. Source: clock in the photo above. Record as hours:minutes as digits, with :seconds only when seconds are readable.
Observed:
2:35
